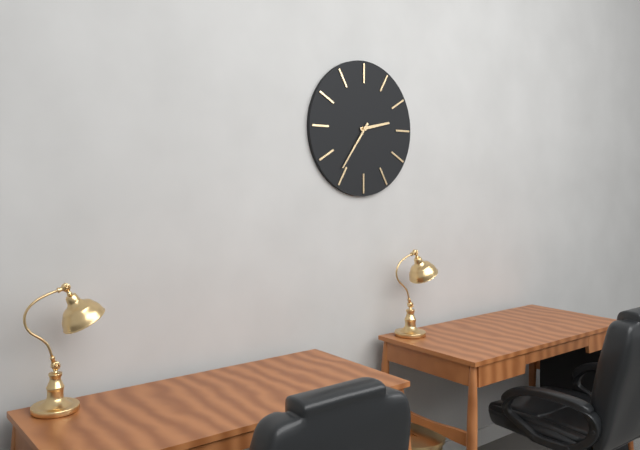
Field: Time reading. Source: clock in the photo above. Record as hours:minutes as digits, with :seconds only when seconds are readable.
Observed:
2:36
